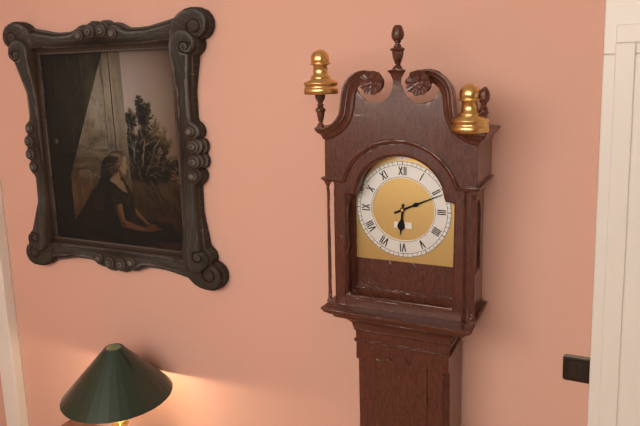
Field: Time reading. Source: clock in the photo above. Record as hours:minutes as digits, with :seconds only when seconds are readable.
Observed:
6:11
